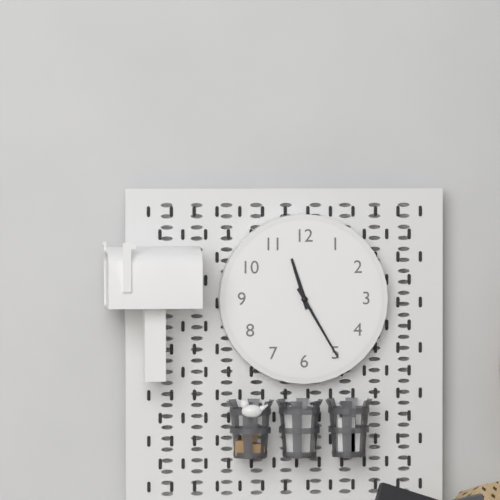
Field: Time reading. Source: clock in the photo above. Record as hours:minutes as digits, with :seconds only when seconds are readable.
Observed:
11:25
